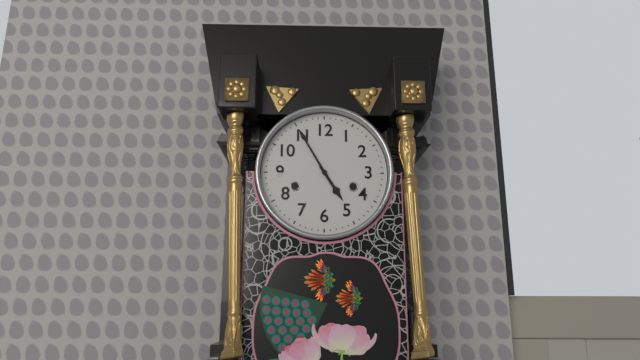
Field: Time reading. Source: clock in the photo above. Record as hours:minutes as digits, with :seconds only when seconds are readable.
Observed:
4:55
